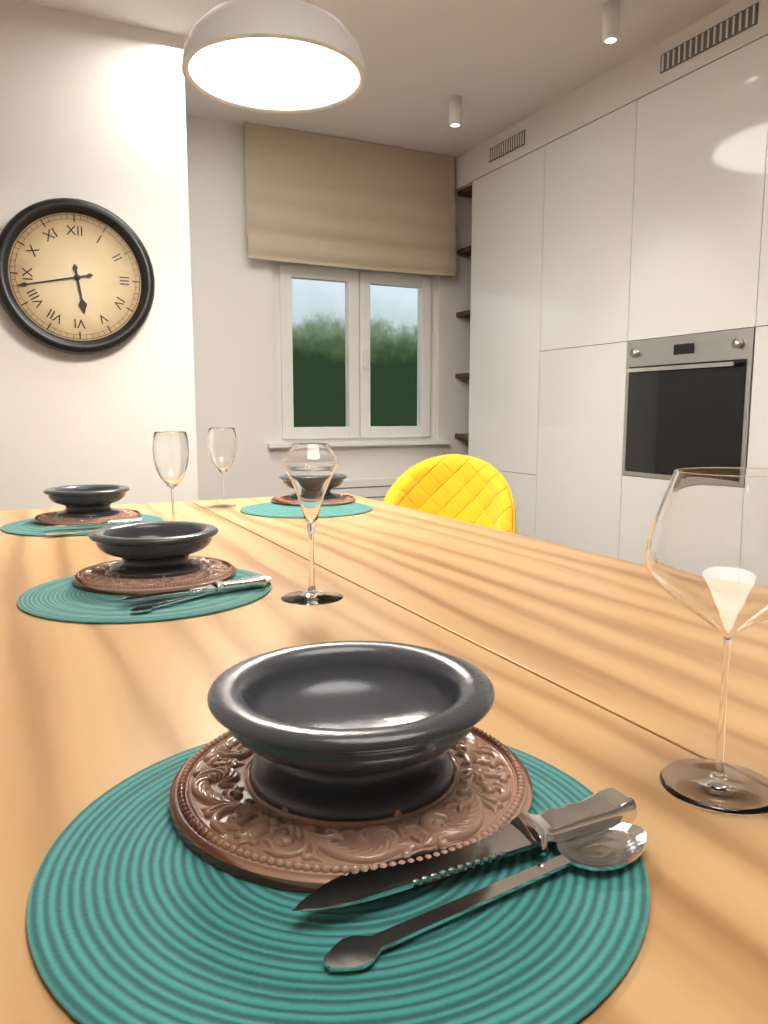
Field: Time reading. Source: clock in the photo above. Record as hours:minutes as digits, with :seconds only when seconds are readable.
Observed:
5:43
